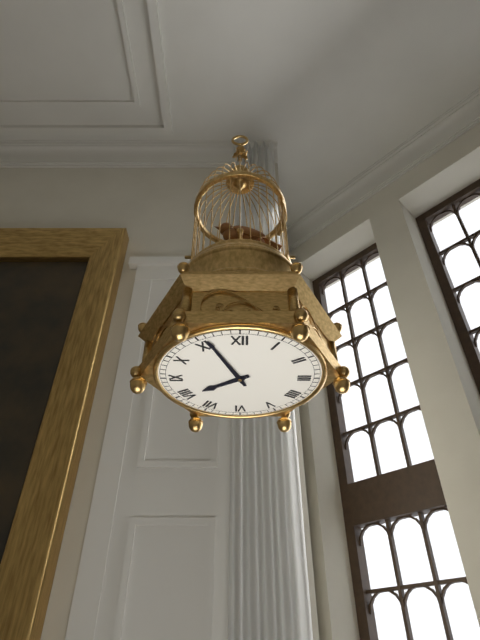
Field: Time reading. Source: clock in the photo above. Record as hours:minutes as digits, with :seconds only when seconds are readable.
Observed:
7:56
